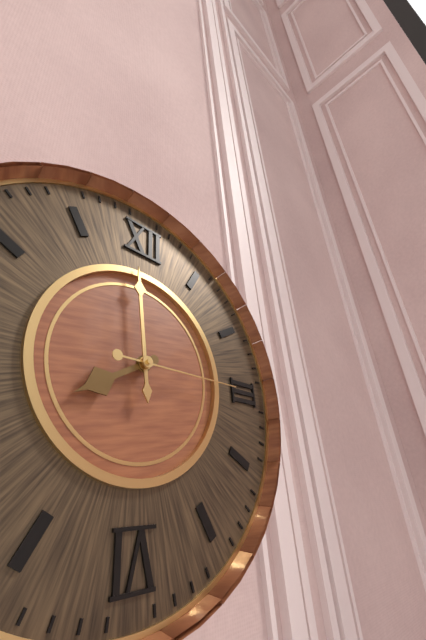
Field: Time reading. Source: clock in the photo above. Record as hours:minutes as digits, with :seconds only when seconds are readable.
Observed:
7:59:15
